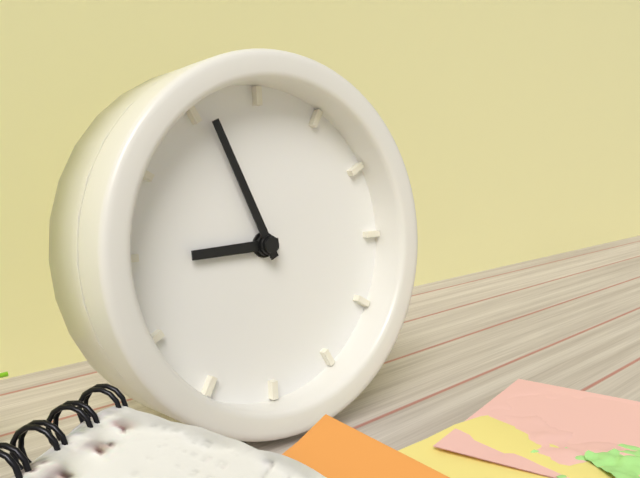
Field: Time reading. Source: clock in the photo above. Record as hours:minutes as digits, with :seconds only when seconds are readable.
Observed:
8:56
